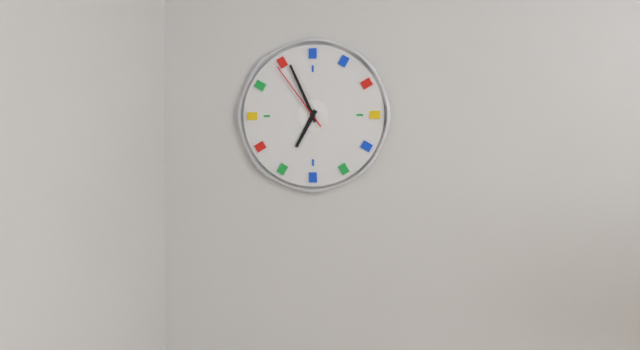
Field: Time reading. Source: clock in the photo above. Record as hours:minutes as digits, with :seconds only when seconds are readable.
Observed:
6:56:54
